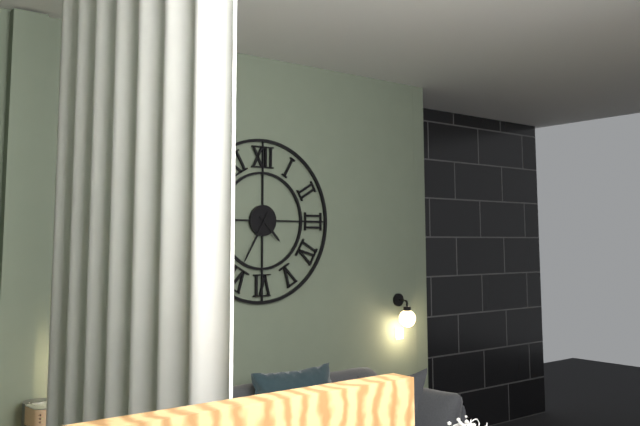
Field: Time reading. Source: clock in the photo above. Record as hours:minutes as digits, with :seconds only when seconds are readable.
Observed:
4:35
